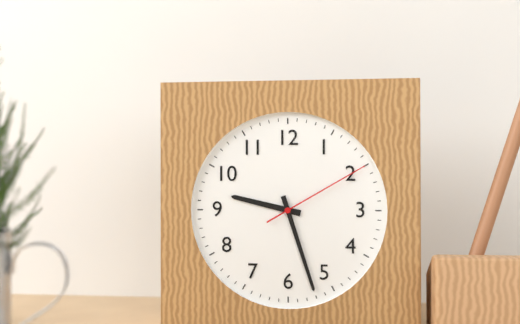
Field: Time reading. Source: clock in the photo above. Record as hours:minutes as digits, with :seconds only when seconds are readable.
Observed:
9:27:10
